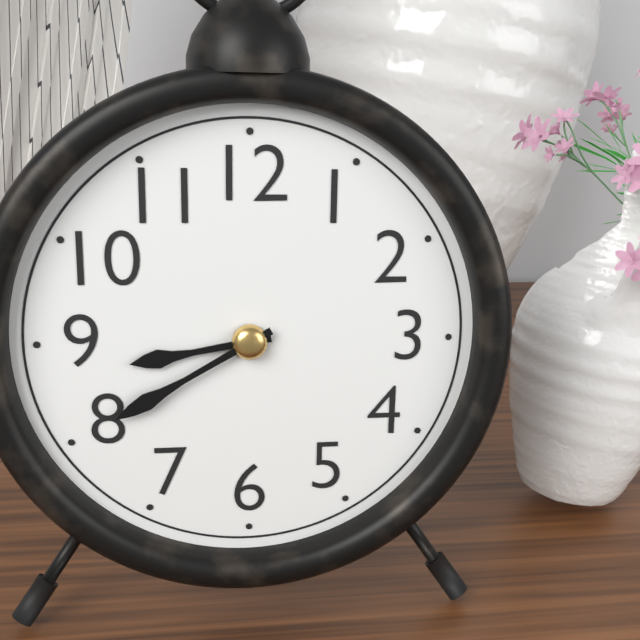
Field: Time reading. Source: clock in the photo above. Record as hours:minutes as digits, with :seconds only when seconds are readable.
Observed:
8:40
